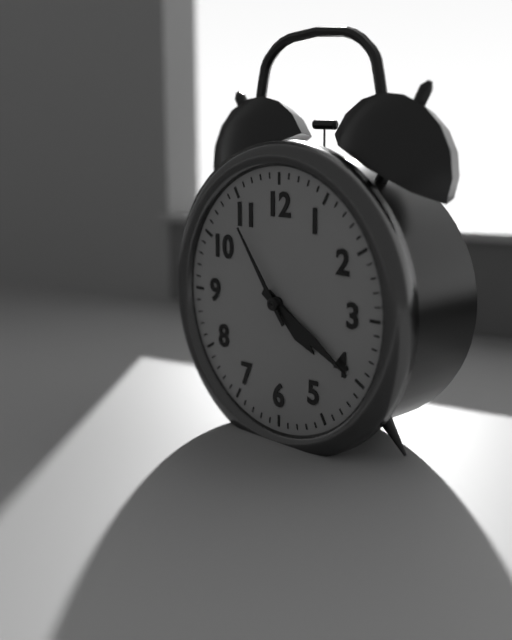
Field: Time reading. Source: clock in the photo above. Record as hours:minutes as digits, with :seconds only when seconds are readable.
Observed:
4:20:54
